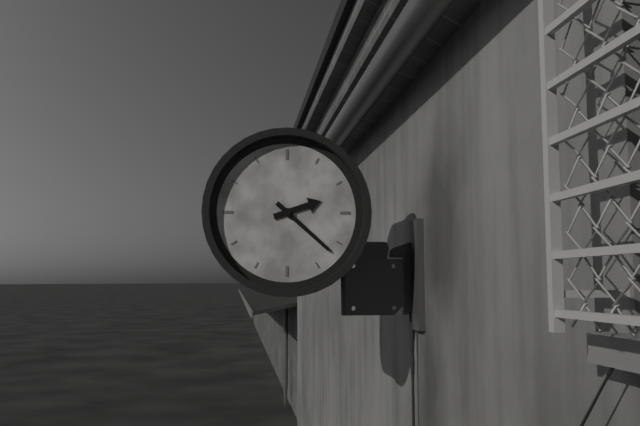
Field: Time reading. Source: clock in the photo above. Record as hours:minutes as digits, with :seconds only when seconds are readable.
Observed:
2:22
